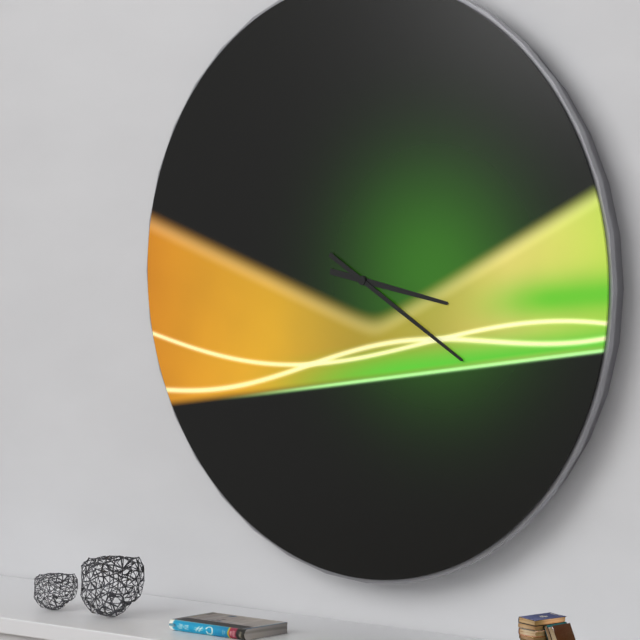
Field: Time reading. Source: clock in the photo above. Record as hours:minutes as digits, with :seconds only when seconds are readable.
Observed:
3:20
